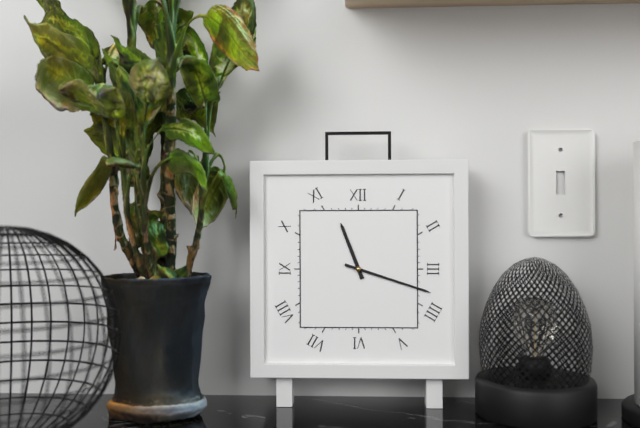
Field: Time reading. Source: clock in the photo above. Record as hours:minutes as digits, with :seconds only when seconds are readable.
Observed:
11:18
